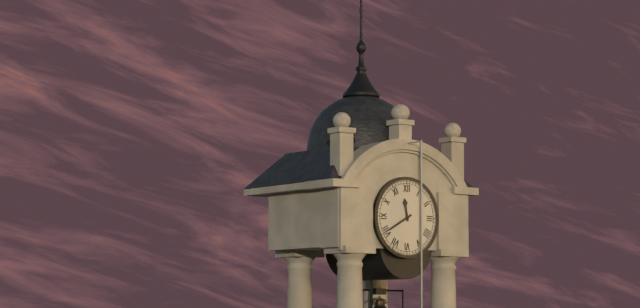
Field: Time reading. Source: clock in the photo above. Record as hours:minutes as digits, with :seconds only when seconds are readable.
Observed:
11:40
